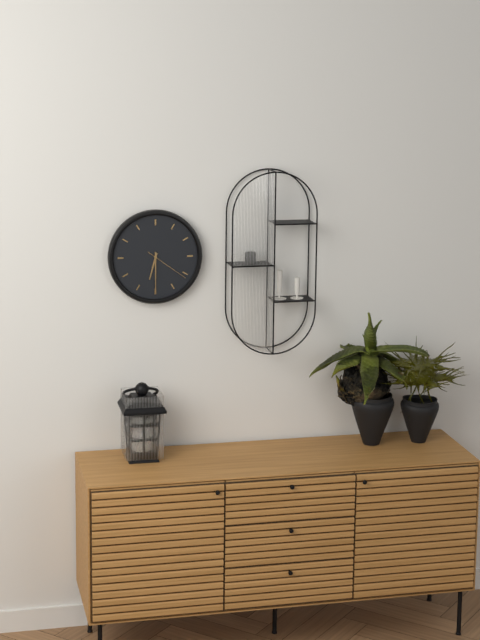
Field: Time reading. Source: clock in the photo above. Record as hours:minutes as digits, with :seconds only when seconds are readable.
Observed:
6:30
